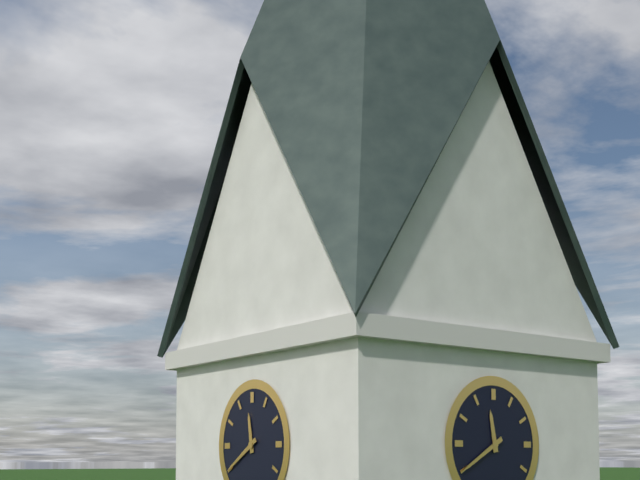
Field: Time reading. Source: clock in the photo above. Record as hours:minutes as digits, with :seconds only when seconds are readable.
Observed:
11:40
